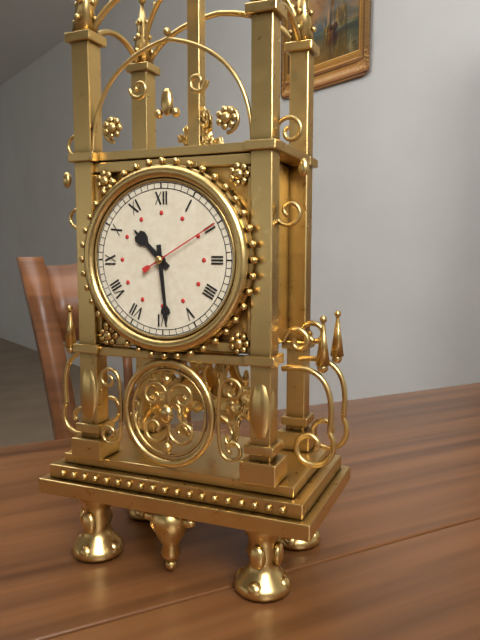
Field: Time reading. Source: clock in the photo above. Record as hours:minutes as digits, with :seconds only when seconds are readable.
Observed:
10:29:10
